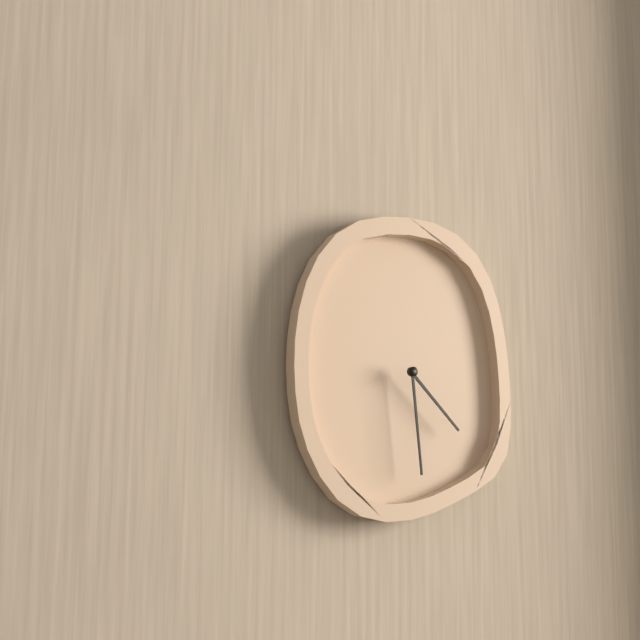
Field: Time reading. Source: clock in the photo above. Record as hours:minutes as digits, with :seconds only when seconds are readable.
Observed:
4:29
